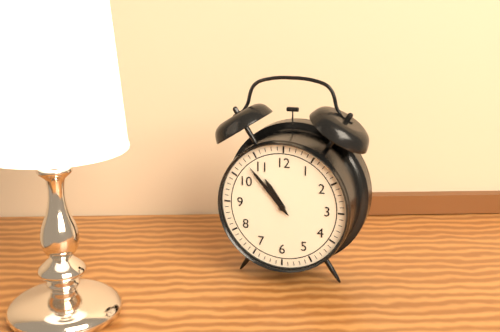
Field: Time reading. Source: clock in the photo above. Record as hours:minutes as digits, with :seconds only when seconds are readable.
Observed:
10:53
